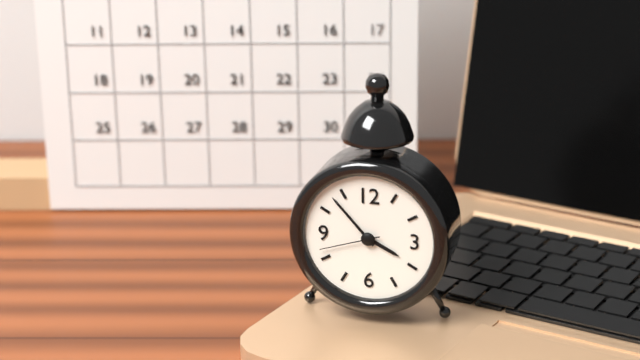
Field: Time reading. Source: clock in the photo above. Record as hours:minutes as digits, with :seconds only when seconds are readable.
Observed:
3:53:42
